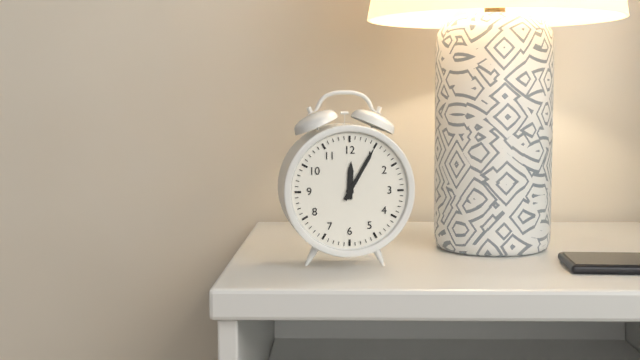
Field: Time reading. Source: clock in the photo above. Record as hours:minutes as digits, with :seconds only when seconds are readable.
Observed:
12:05
